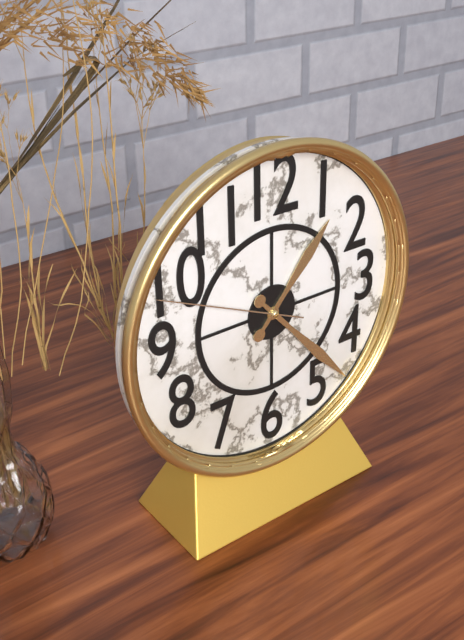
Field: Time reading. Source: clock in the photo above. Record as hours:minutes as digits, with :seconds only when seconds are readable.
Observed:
1:23:49
